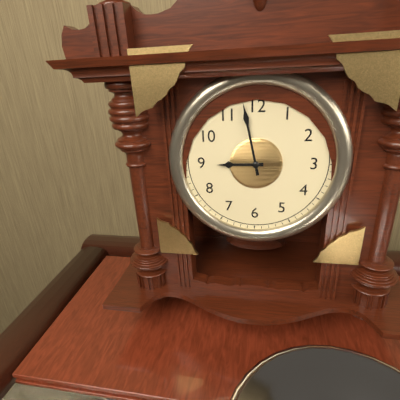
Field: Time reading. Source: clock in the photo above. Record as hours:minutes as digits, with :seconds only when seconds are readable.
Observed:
8:58
